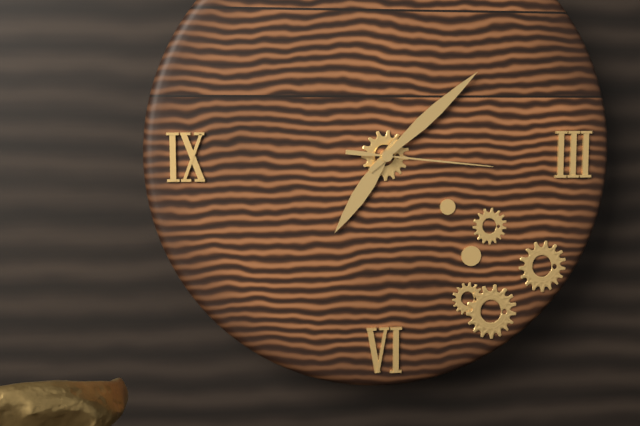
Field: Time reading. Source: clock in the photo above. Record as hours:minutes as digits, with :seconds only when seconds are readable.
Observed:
7:08:16
